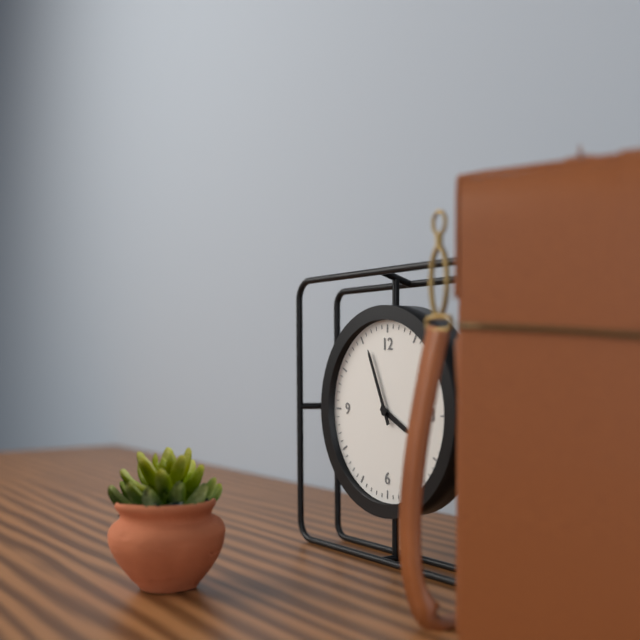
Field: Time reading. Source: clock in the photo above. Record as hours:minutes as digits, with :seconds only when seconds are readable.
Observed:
3:56
